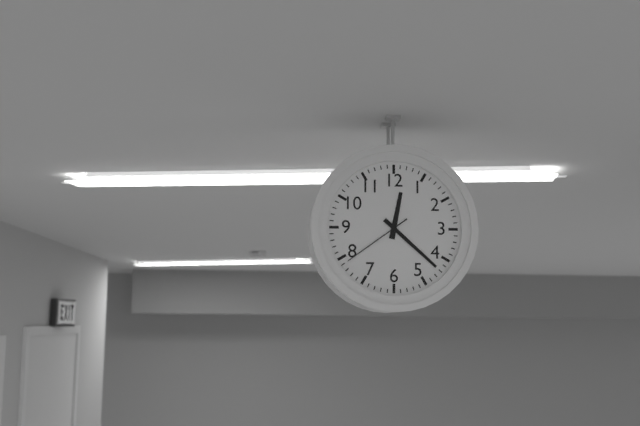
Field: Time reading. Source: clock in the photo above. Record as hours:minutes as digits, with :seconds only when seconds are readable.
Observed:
12:22:39
